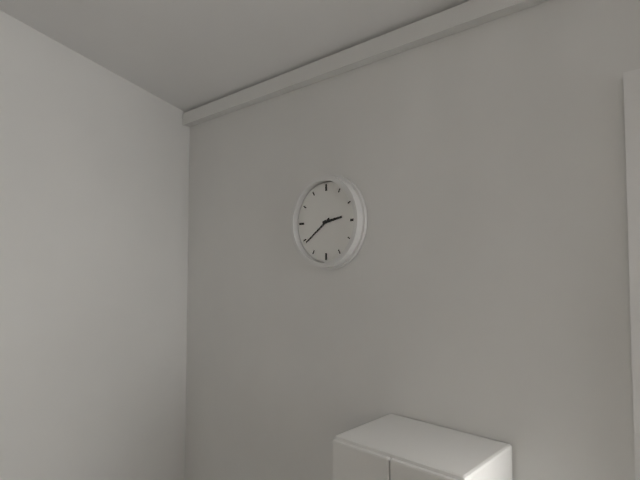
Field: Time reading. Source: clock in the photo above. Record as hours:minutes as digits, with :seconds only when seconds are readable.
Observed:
2:39
